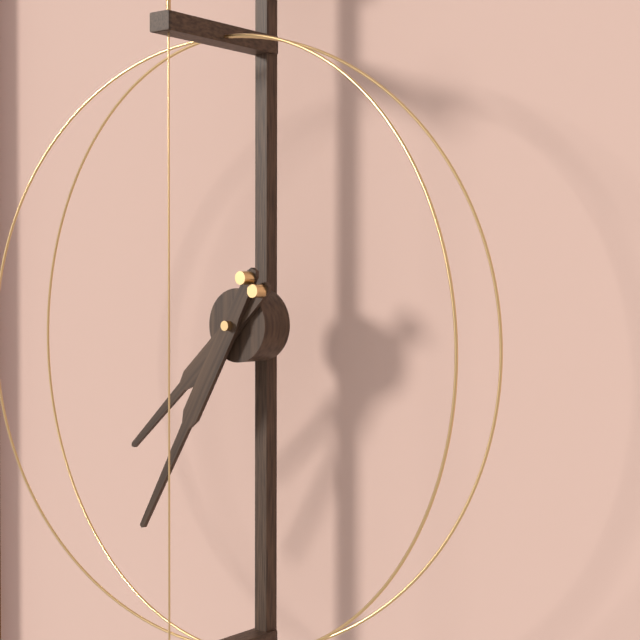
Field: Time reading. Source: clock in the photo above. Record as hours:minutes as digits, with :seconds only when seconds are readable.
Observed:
7:35
